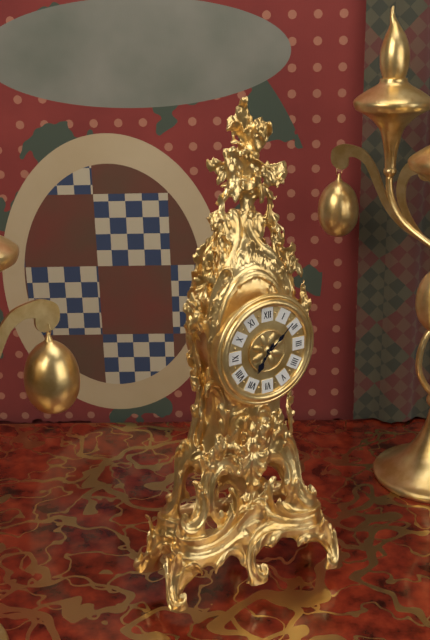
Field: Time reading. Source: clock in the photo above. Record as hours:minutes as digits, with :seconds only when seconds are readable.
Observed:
7:08
